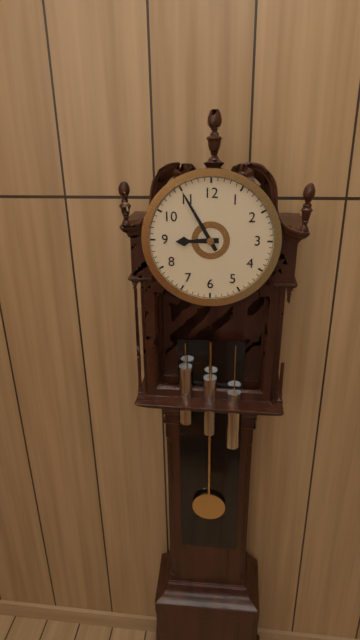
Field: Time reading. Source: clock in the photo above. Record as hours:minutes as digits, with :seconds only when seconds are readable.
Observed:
8:55
